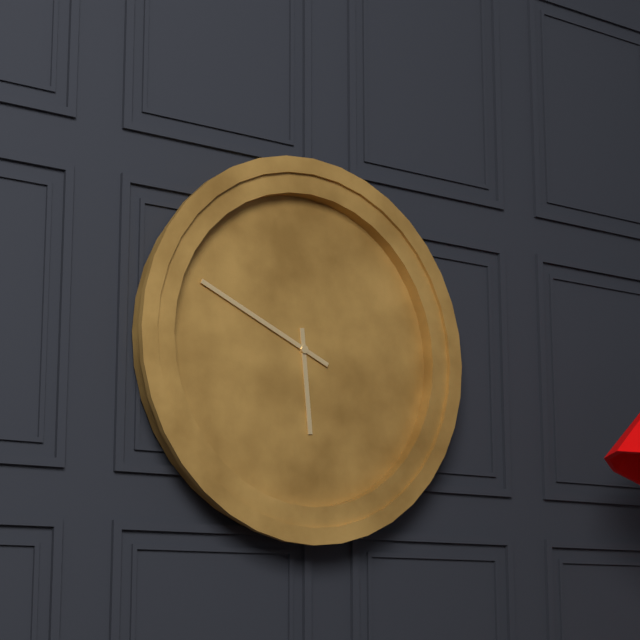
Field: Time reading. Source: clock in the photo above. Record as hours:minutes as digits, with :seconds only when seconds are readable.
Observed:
5:49
